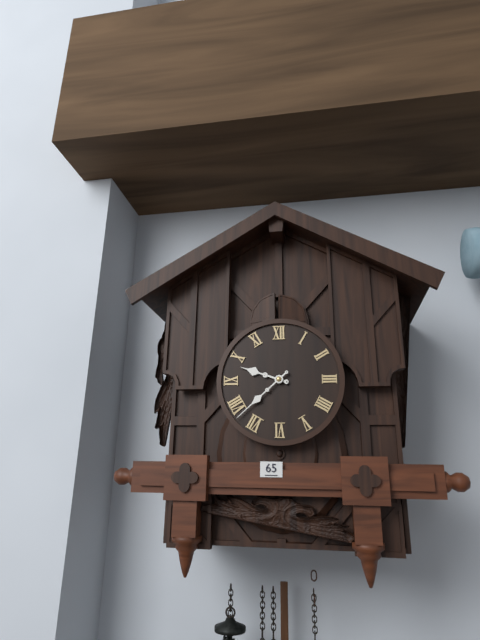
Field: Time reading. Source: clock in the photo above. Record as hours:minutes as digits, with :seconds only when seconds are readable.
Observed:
9:38
